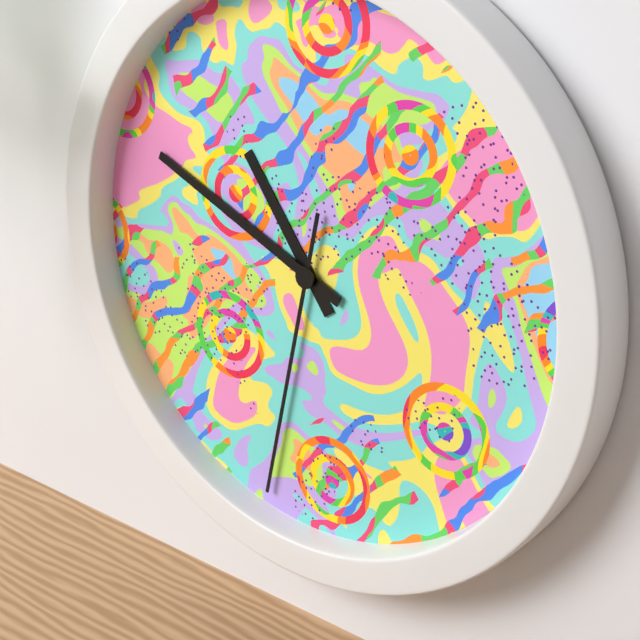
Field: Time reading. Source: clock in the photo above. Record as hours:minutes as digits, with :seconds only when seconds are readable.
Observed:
10:49:32
